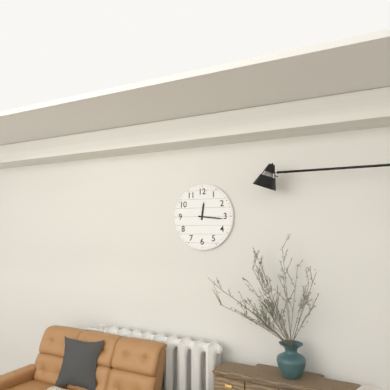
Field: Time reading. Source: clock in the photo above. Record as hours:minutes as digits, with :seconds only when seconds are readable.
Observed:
12:16
